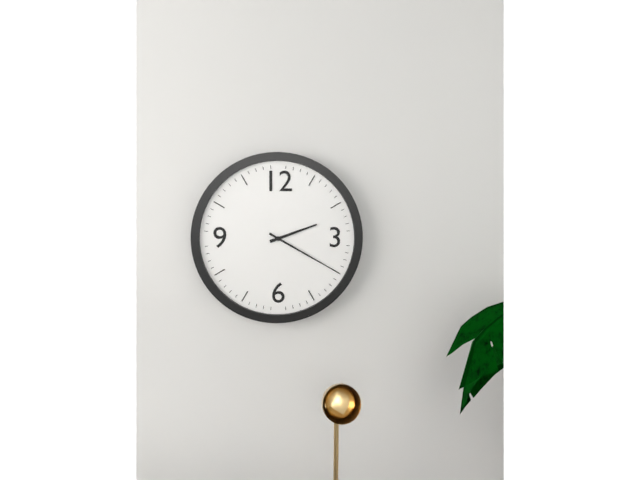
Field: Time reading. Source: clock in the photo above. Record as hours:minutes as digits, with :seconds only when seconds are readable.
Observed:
2:20
